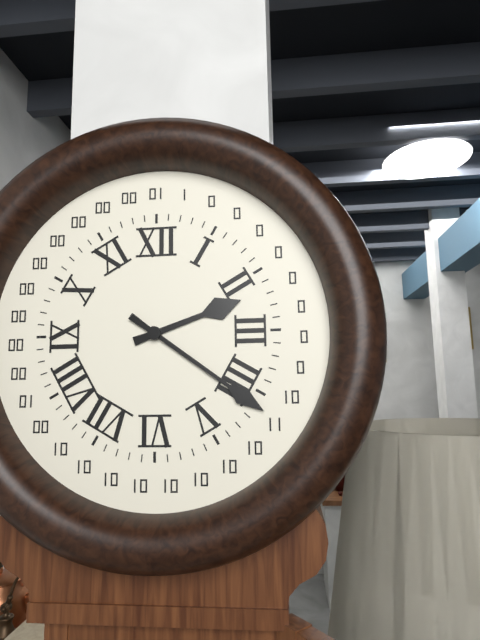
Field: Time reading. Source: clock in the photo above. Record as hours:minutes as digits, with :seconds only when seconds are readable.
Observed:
2:21
